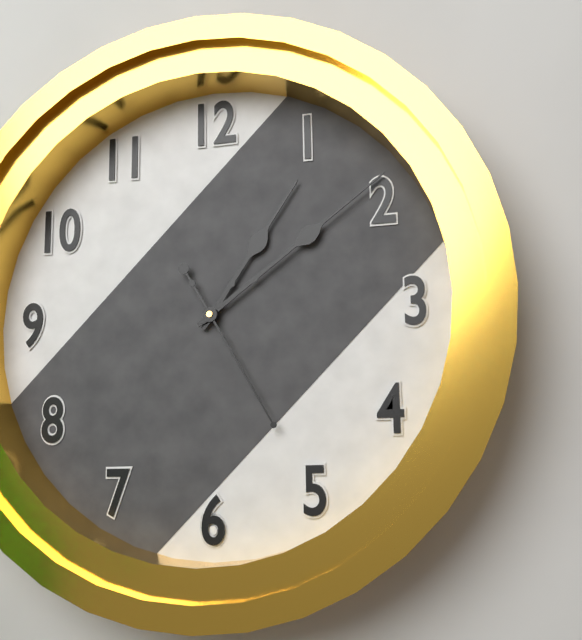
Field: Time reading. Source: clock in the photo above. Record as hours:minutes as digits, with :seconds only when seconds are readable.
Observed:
1:09:25
